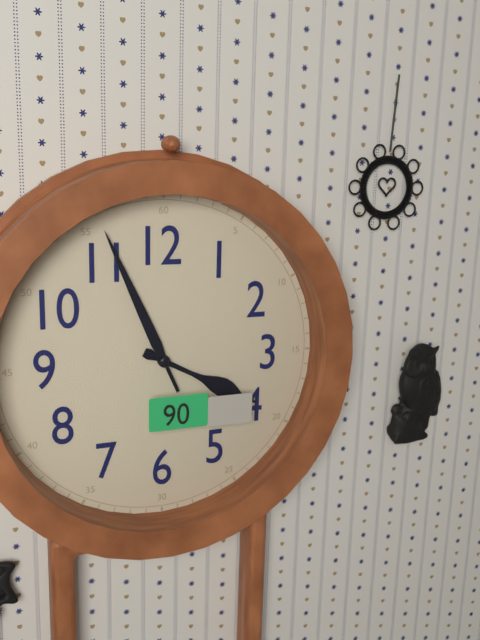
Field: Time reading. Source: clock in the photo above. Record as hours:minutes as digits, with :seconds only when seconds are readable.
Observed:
3:56
